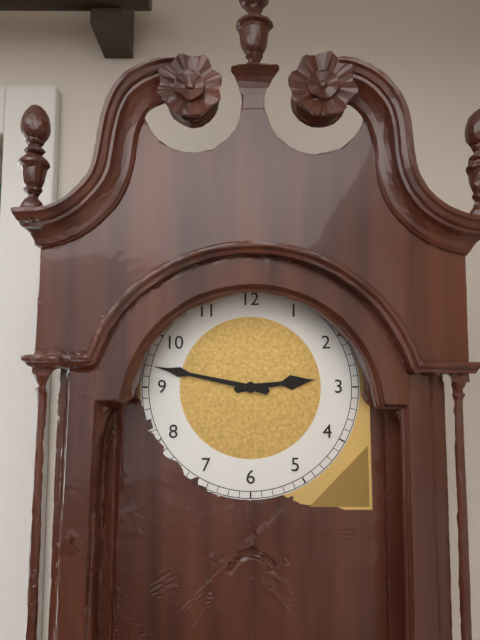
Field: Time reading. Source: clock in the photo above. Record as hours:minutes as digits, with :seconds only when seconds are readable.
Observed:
2:47
